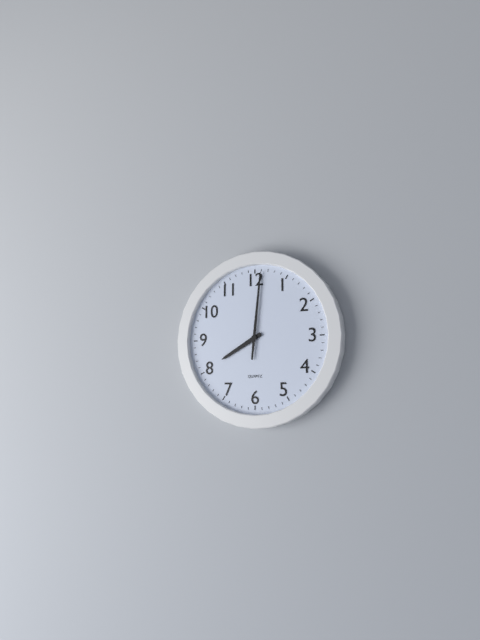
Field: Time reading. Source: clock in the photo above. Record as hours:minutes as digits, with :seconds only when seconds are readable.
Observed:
8:01
